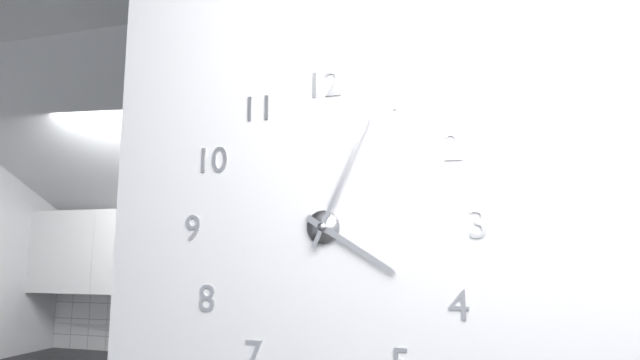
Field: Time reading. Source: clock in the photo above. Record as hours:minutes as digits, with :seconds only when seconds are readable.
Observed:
4:04
